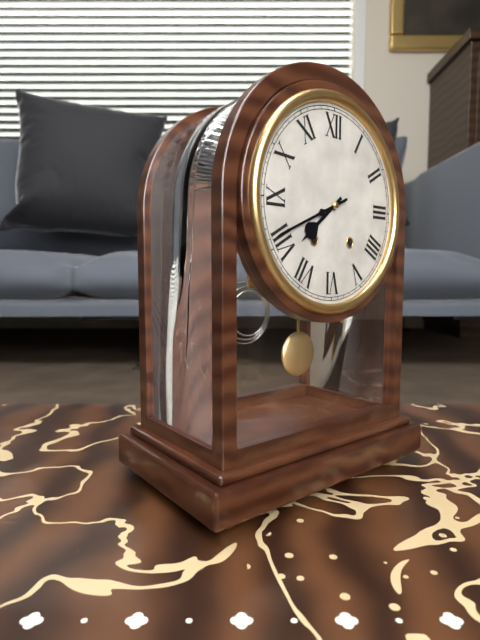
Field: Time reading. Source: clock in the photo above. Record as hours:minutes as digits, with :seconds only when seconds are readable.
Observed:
7:41
